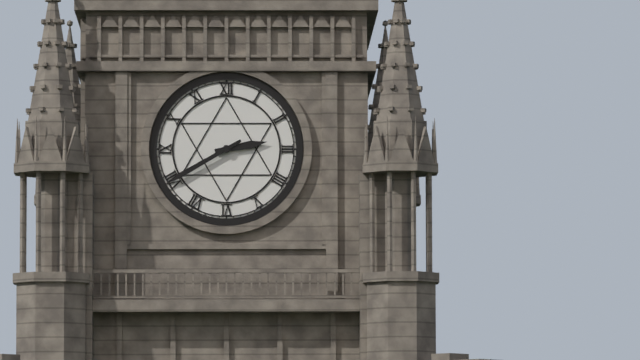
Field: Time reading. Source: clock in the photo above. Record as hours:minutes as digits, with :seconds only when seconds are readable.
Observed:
2:40
